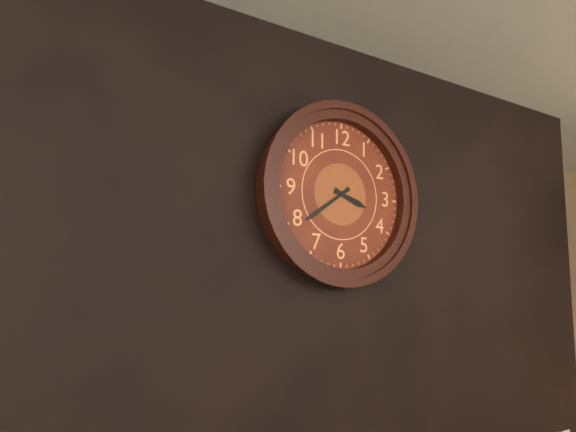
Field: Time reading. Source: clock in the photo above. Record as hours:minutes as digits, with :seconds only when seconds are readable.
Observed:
3:39
